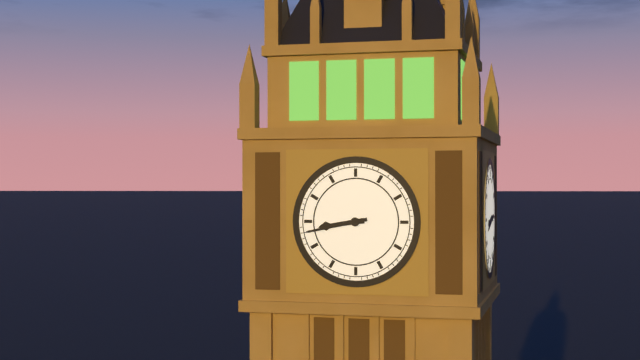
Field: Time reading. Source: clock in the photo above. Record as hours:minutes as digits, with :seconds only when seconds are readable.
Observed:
8:43
